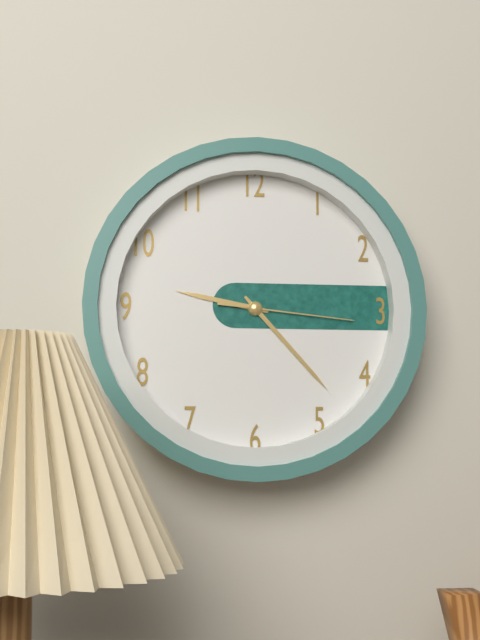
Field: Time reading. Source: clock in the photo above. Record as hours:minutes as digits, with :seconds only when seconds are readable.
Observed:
9:23:16
